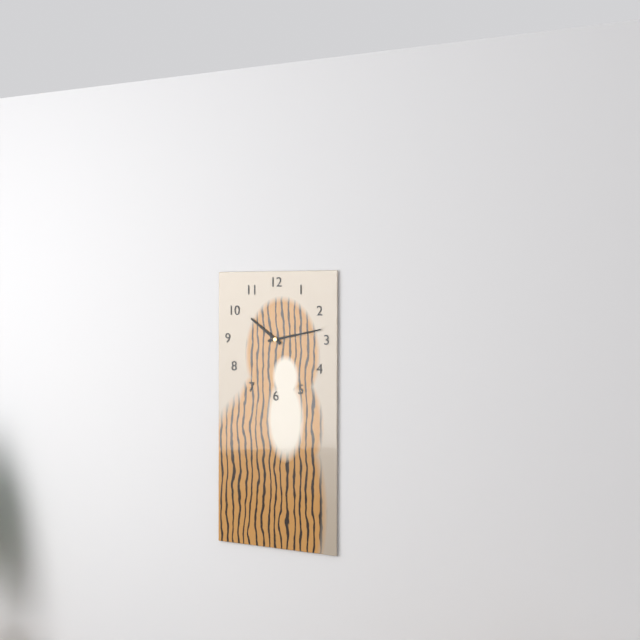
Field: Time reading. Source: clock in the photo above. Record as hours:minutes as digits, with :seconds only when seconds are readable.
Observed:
10:13
